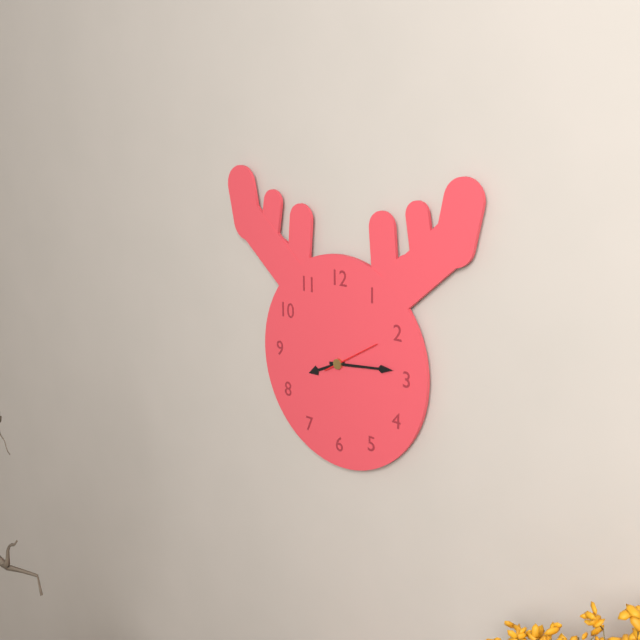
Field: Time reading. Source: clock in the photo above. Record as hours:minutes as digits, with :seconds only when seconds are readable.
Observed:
8:14
